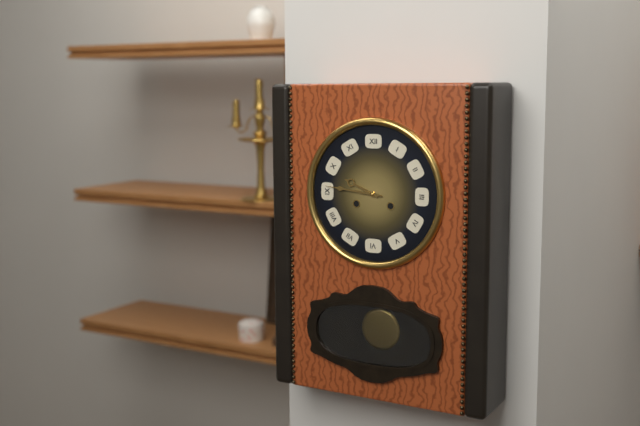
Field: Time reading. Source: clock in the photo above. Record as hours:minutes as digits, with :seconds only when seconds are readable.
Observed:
9:46
